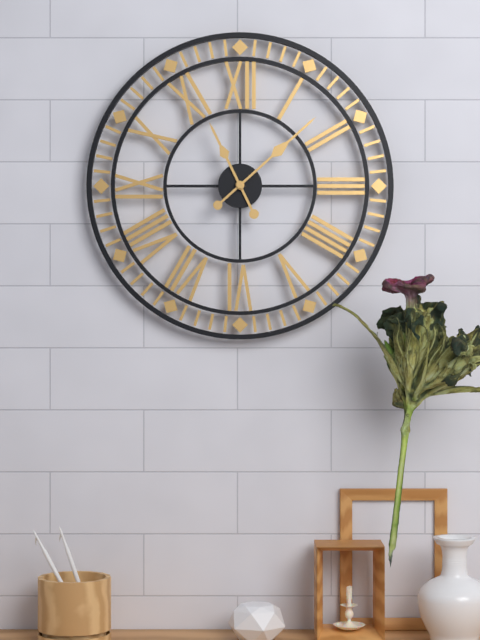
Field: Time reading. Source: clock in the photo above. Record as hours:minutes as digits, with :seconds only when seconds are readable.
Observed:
11:08
